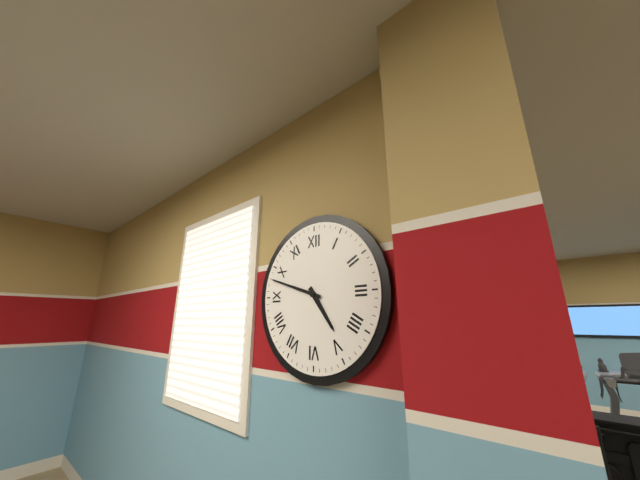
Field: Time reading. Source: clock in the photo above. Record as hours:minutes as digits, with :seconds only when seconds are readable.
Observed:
4:48
